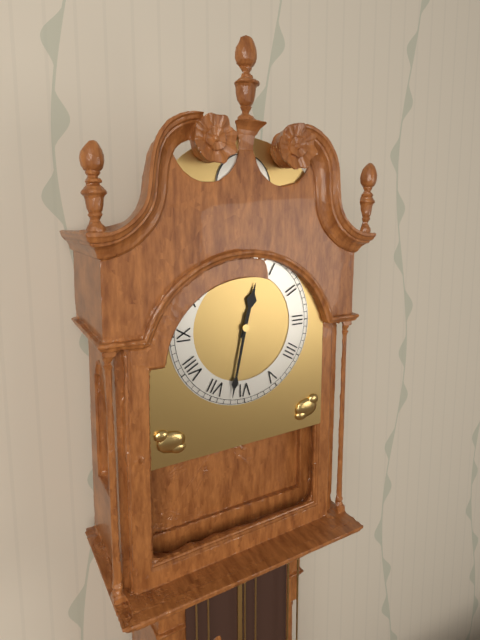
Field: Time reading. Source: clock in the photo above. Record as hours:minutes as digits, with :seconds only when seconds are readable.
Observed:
12:32
